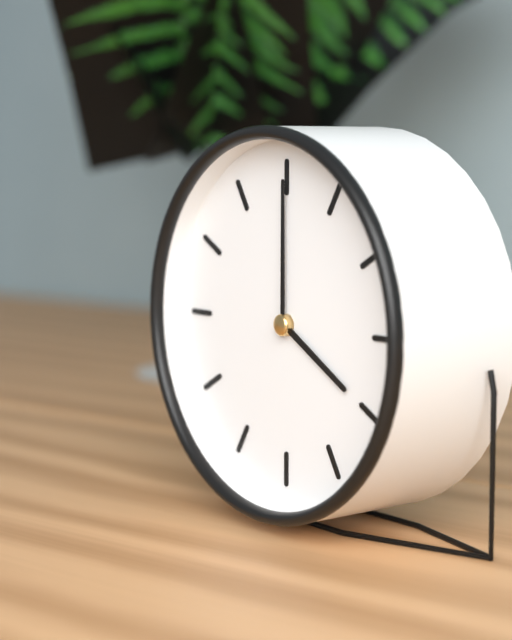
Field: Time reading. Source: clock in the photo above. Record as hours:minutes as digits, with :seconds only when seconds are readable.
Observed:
4:00
